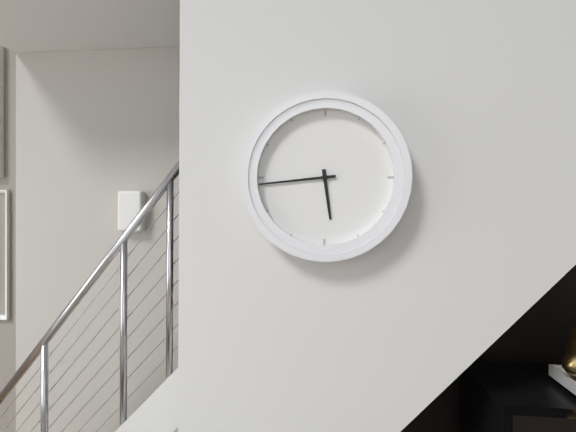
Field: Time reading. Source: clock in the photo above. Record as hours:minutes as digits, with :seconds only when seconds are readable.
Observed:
5:44
